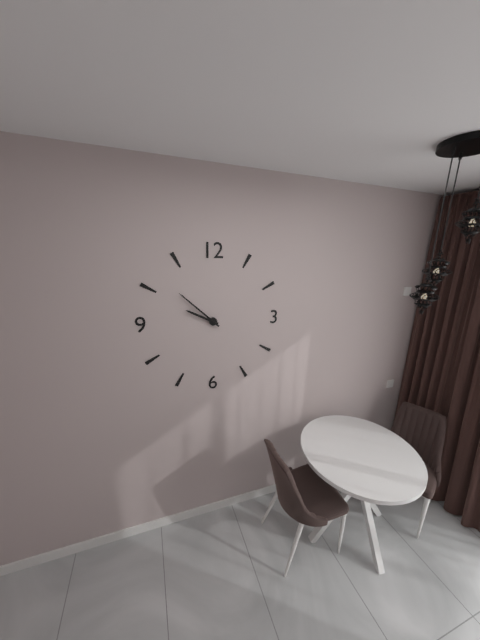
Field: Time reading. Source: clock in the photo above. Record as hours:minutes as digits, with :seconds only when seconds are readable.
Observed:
9:52
